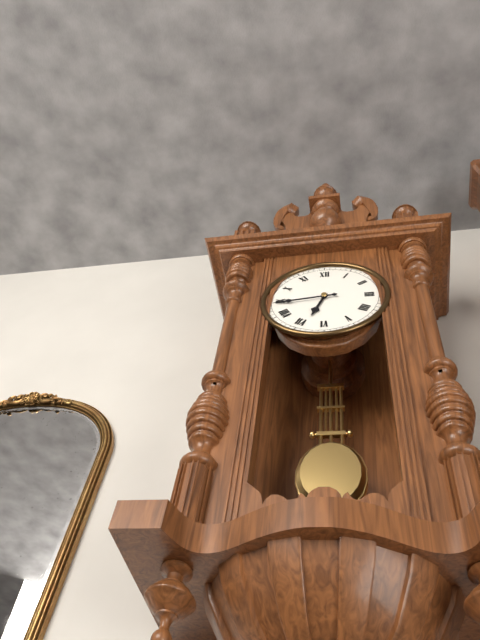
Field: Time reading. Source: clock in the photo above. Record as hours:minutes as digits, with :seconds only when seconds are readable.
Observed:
6:44
